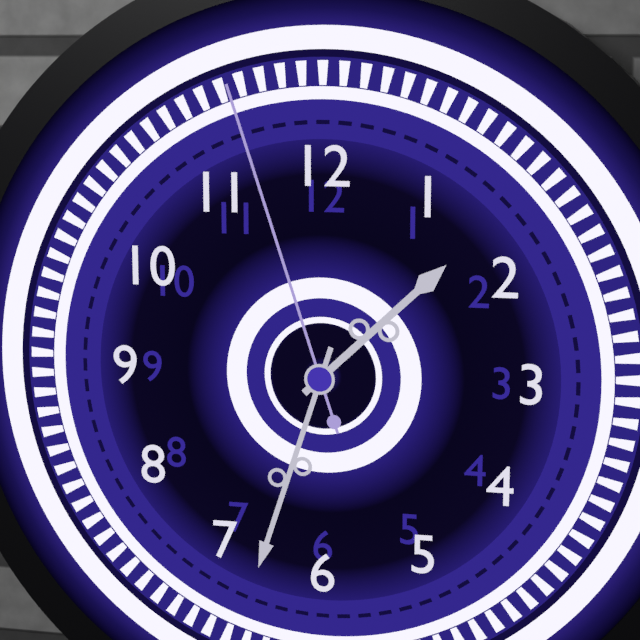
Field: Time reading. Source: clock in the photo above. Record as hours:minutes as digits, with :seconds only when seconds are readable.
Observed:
1:33:57
